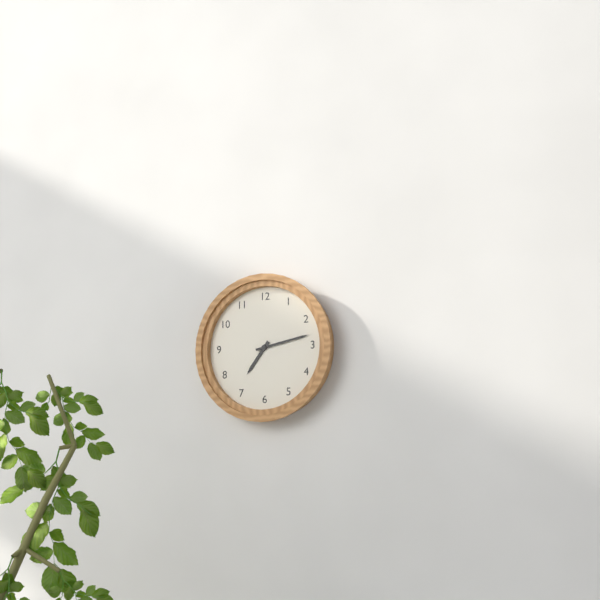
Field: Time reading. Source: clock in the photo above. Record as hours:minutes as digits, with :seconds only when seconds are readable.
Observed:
7:13
